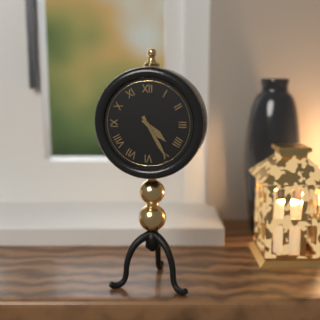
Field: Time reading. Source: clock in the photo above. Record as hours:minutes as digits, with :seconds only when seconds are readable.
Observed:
4:25
